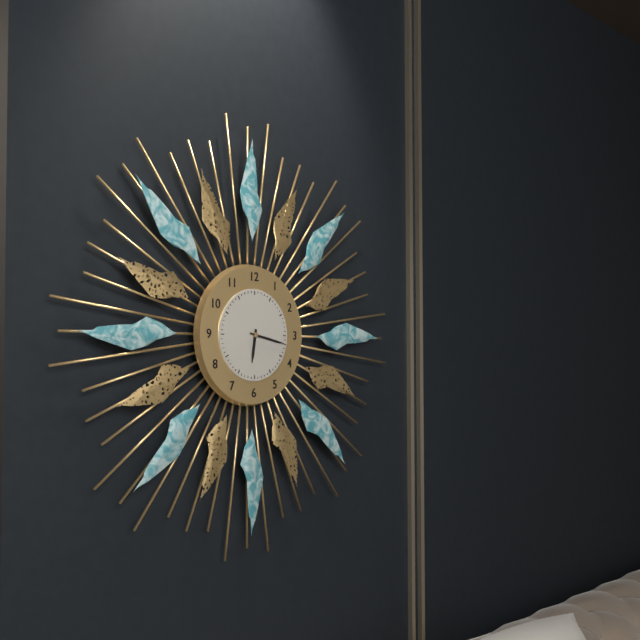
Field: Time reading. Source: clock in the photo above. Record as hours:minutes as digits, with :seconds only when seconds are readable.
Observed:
6:17
